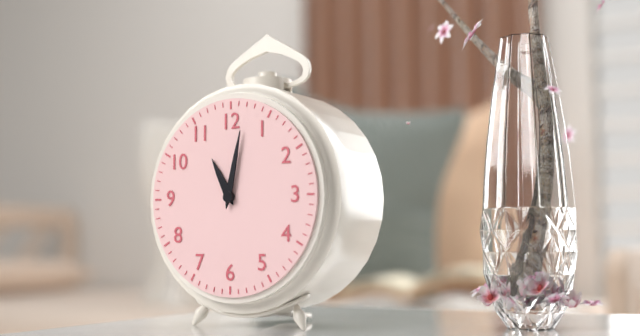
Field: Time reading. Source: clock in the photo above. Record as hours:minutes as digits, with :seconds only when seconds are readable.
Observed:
11:02
